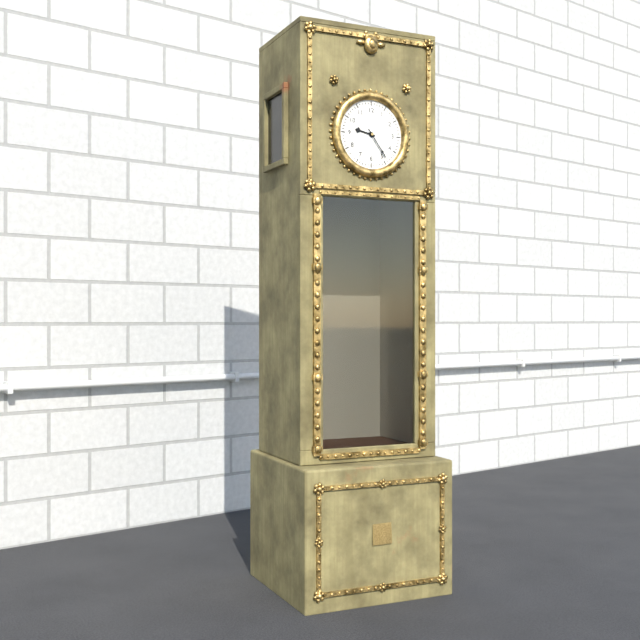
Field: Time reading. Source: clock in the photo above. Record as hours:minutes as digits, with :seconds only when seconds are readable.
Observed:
9:24
